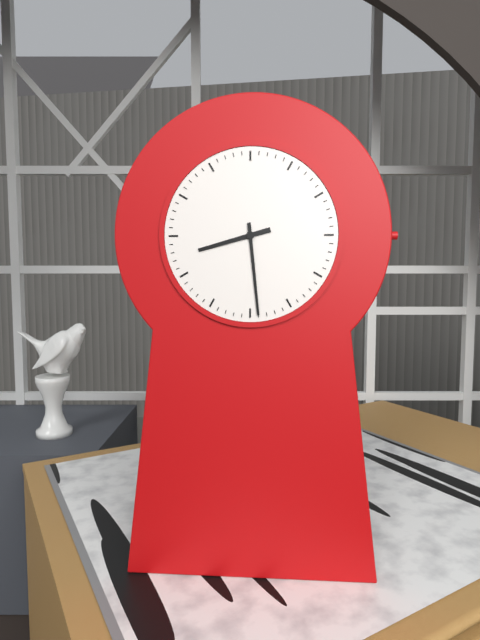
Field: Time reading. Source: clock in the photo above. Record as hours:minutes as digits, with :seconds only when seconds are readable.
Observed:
8:29
